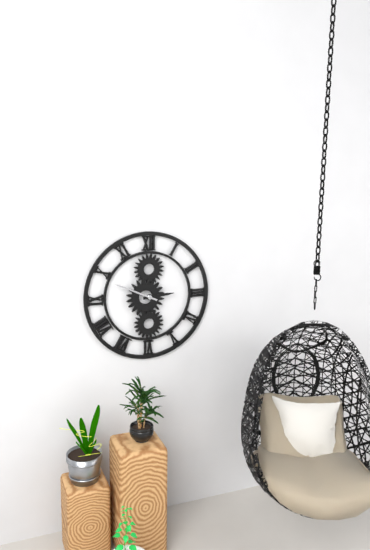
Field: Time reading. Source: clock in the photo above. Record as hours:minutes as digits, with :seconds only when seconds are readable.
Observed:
2:49
